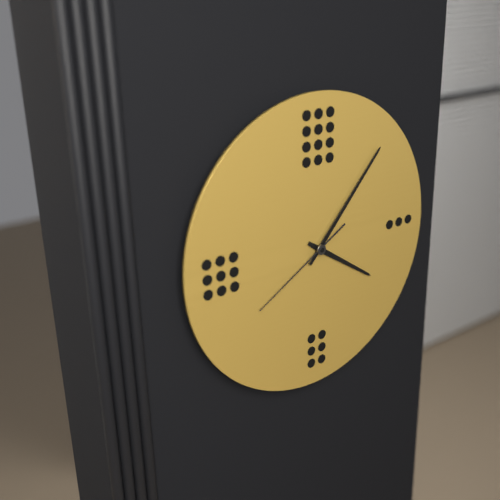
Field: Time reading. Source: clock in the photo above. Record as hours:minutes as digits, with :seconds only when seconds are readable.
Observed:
4:07:40
